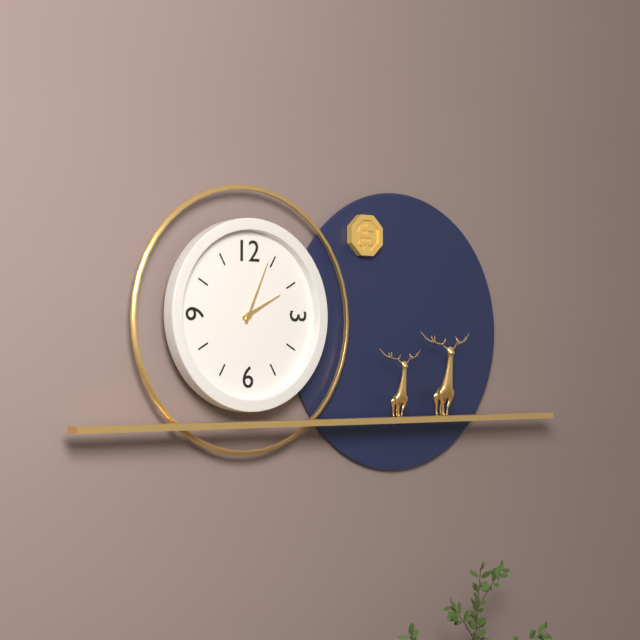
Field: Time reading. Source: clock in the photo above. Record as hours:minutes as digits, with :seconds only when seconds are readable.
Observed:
2:04
